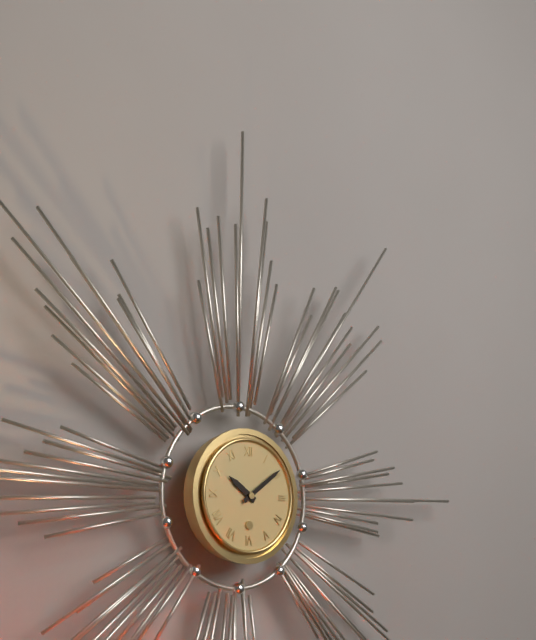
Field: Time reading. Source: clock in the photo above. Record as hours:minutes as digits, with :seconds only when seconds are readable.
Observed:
10:09
